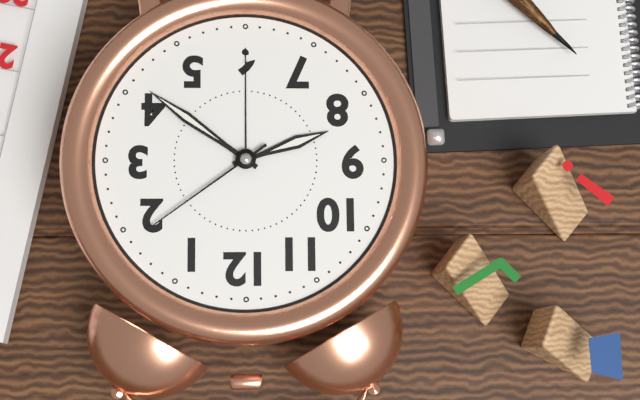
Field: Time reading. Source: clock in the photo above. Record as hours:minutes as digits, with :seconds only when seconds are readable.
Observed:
8:21:09
